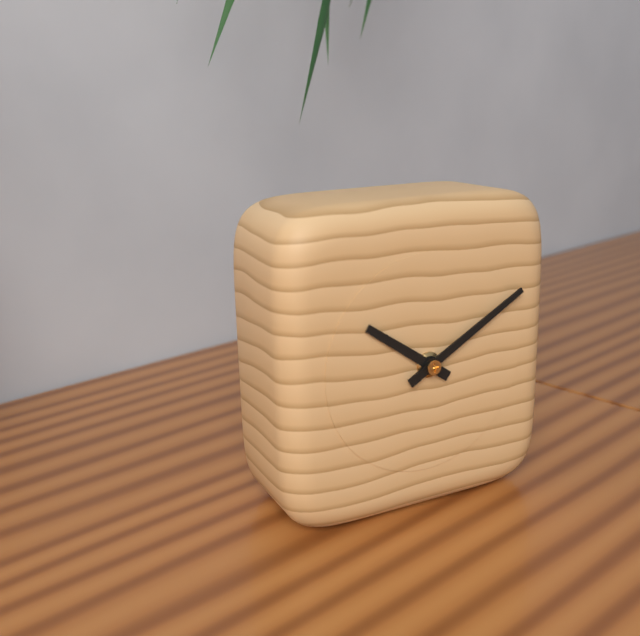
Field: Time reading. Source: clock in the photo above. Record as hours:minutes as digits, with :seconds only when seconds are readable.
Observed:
10:10
